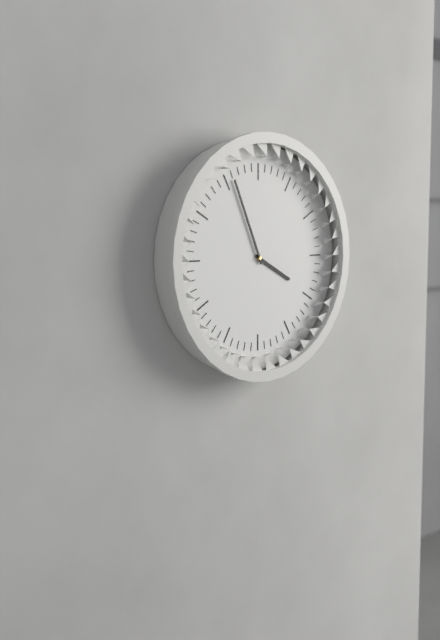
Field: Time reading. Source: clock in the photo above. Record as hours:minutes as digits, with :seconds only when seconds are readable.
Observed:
3:56
